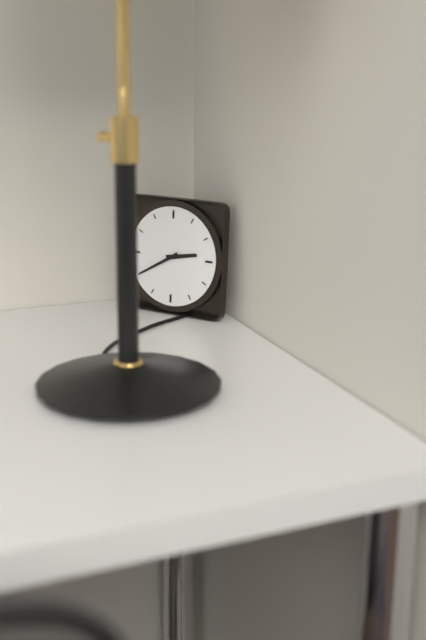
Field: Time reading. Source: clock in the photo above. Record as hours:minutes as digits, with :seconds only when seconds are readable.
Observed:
2:40
